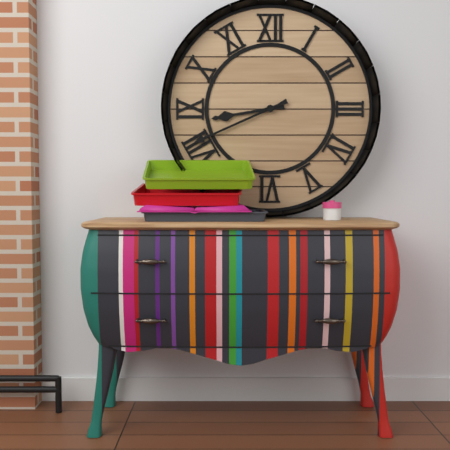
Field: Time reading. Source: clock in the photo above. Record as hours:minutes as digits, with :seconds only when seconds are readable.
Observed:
8:41
